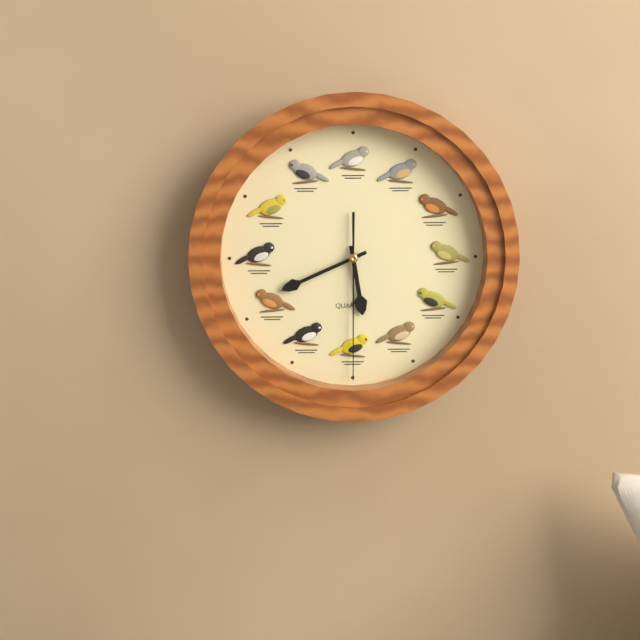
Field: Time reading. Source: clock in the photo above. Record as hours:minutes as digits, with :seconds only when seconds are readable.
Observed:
5:41:30
